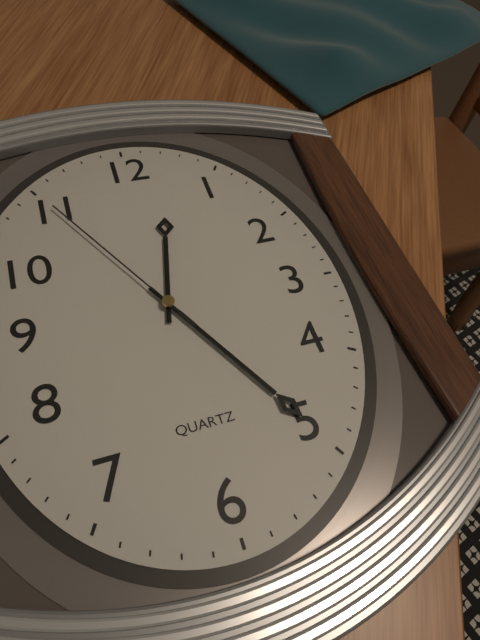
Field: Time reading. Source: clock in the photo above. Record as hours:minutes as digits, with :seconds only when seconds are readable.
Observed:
12:25:55
